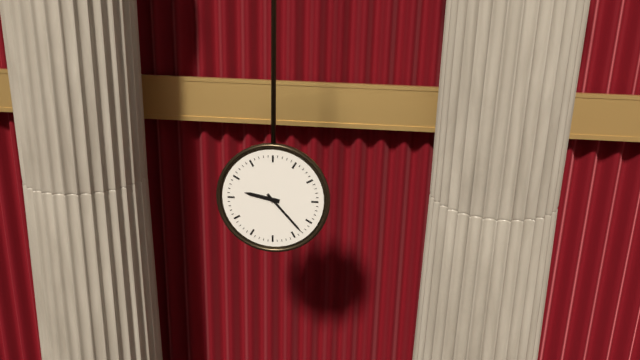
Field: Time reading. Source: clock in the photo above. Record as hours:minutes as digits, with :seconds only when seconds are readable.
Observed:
9:23
